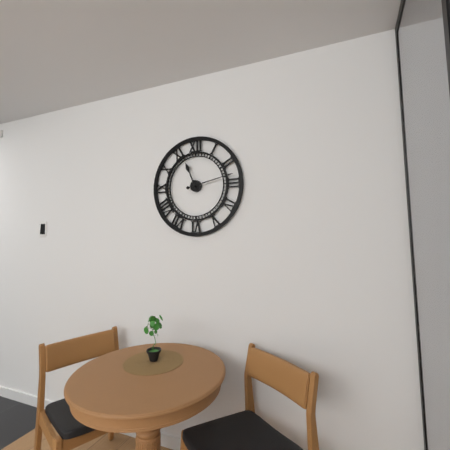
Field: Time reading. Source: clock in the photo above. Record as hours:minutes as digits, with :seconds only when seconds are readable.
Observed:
11:13
